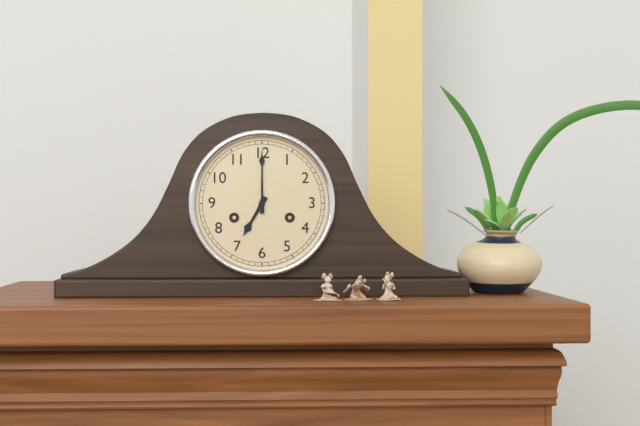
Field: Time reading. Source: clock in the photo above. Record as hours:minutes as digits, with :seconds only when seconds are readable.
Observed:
7:00
